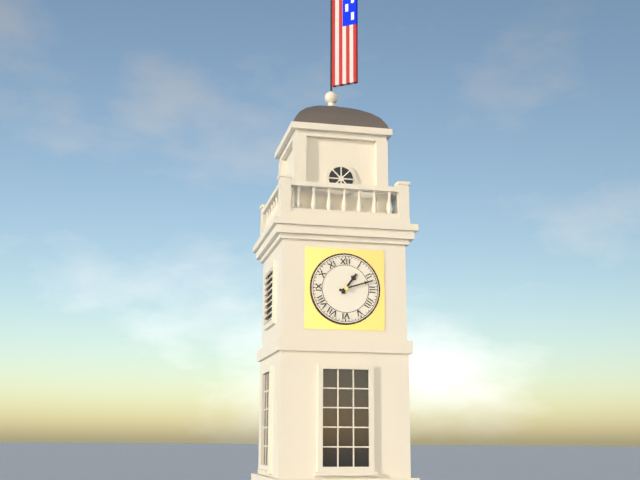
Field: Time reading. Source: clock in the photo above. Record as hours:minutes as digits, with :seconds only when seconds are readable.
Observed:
1:12
